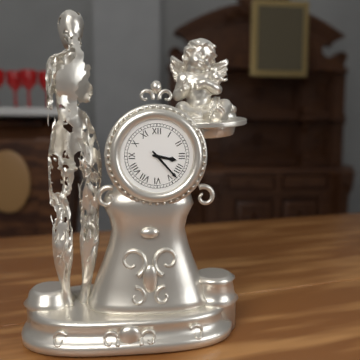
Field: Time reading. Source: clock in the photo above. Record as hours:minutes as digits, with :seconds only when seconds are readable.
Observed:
3:23
